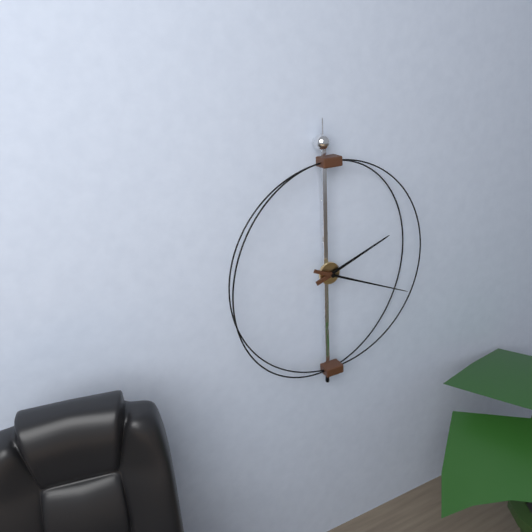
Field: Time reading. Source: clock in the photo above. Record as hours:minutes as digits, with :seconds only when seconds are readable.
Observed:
2:19
